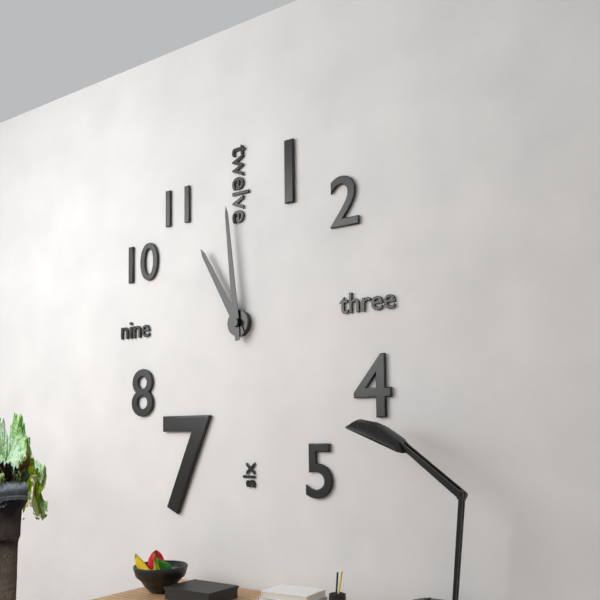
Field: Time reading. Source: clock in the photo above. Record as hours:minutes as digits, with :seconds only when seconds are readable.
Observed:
10:59
